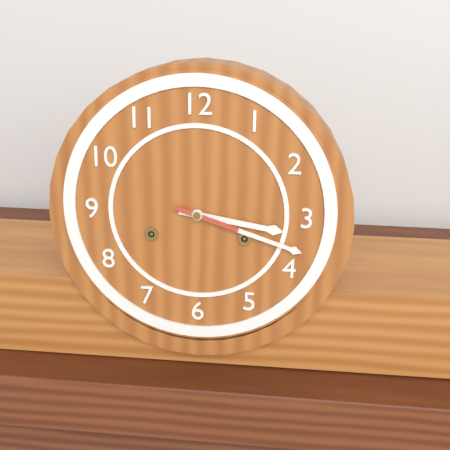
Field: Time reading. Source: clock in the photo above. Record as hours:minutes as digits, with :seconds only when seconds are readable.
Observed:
3:18
